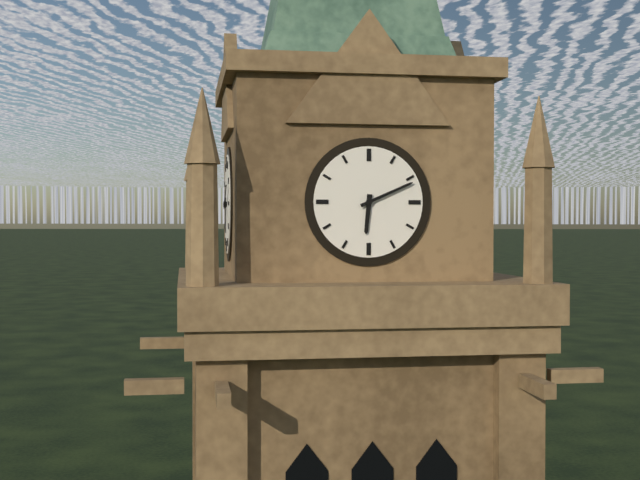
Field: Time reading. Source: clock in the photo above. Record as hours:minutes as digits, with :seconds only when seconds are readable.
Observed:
6:11
